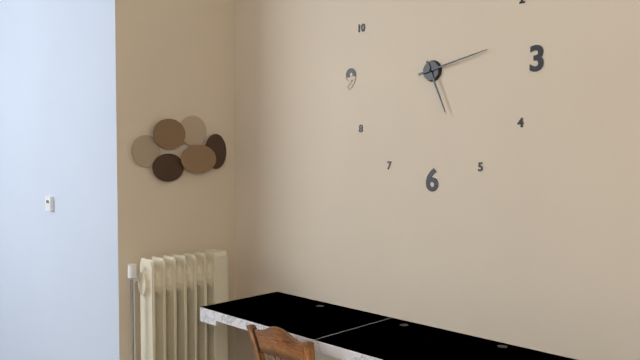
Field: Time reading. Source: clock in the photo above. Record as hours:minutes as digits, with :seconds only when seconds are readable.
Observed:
5:13
